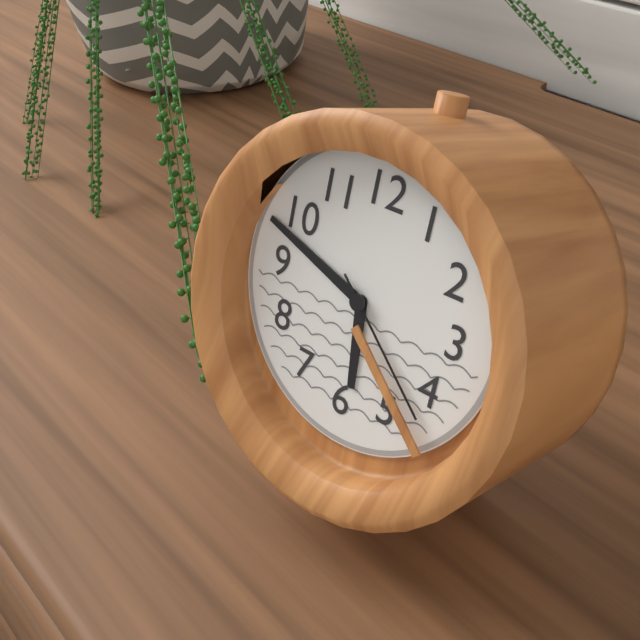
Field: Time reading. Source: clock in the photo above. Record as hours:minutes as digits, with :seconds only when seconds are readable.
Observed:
5:48:22
